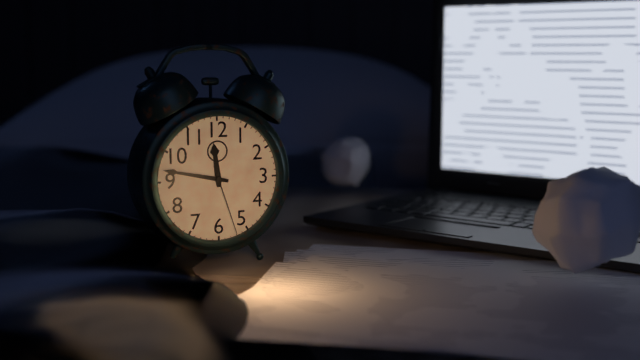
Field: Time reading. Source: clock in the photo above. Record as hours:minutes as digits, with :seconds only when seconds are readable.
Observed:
11:47:27
